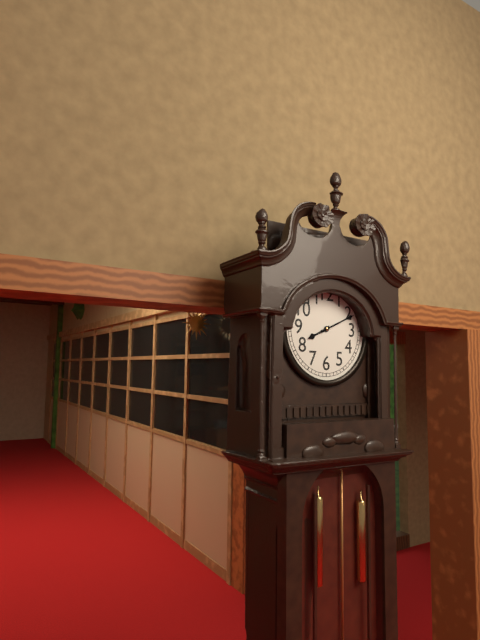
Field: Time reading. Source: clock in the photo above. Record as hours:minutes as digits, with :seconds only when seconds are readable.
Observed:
8:11
